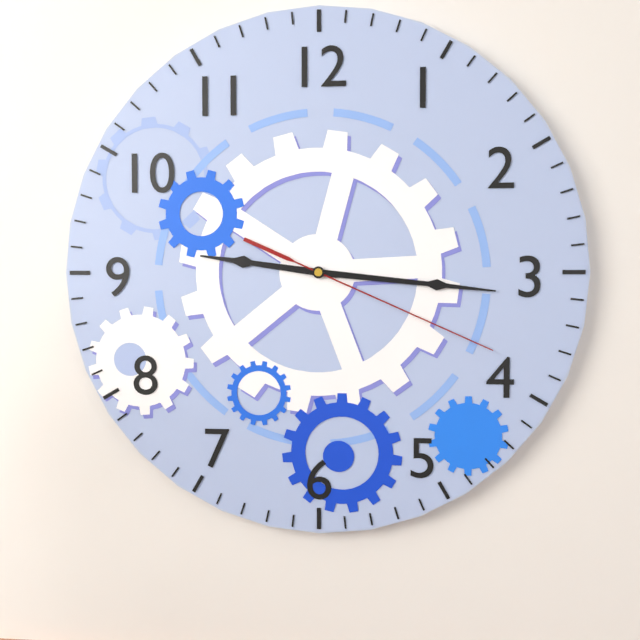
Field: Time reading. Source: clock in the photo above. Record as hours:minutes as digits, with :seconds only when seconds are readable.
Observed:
9:16:19
